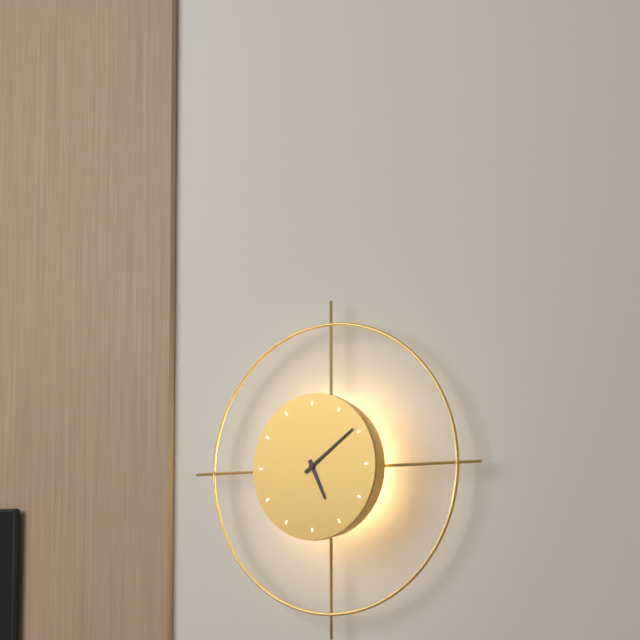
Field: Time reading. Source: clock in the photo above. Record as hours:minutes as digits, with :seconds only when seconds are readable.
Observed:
5:09
